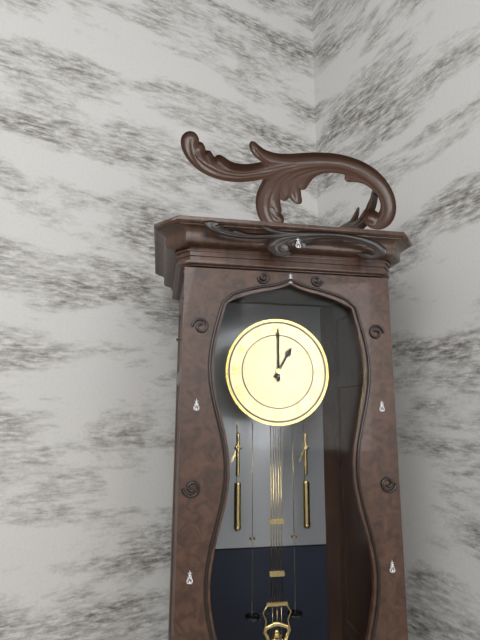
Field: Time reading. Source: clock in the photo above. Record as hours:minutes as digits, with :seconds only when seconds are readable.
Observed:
1:00
